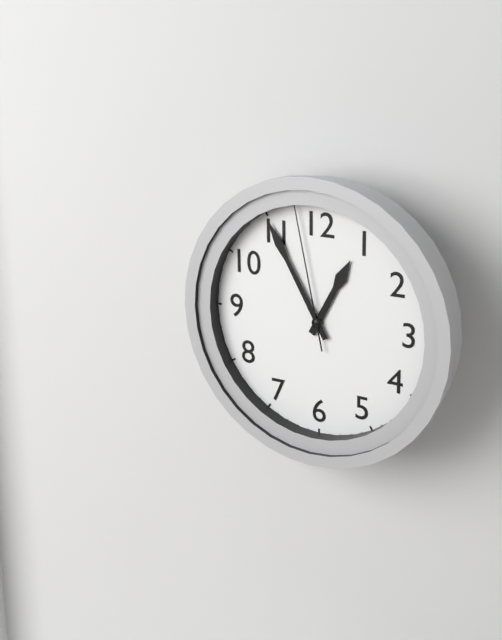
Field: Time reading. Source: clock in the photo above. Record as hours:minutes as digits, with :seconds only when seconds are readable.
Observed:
12:55:58
